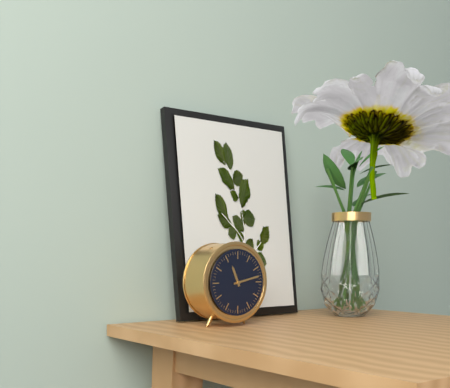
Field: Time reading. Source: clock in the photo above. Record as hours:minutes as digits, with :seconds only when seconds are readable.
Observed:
11:13
